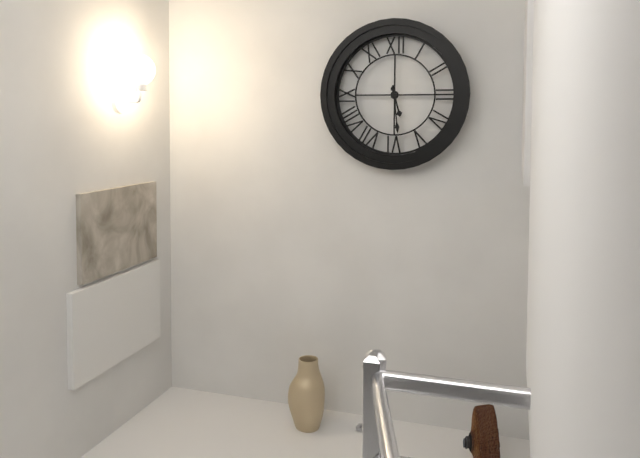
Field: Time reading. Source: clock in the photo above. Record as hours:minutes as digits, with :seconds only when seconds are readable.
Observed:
5:29
